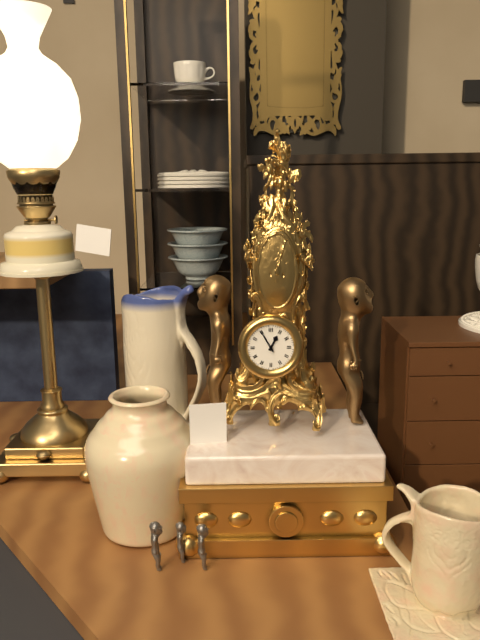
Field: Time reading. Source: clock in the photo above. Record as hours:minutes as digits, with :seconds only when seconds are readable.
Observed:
12:55
